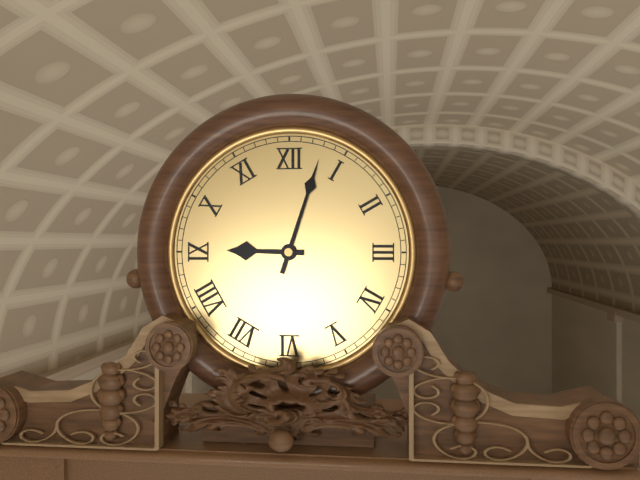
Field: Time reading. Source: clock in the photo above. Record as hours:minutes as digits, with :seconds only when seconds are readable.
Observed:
9:03
